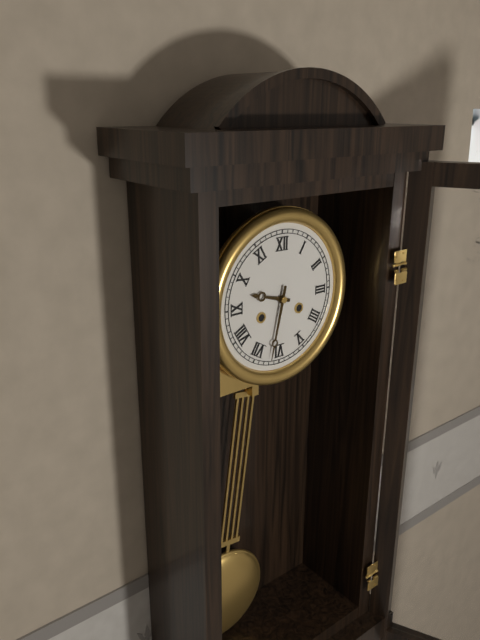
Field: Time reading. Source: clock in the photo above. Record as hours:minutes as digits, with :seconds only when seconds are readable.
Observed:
9:32
